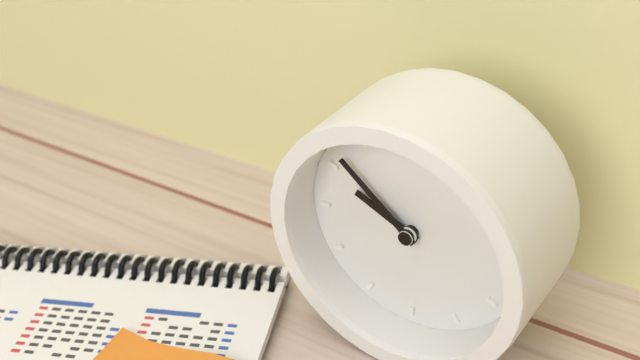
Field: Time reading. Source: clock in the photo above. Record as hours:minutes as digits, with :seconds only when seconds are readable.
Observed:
9:52
